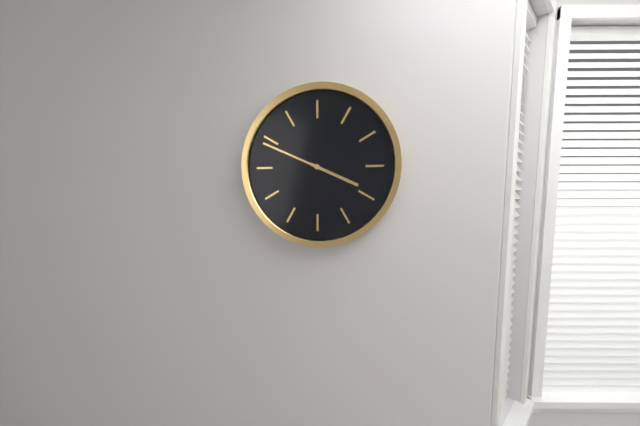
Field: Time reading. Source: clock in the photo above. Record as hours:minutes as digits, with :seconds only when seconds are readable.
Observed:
3:49
